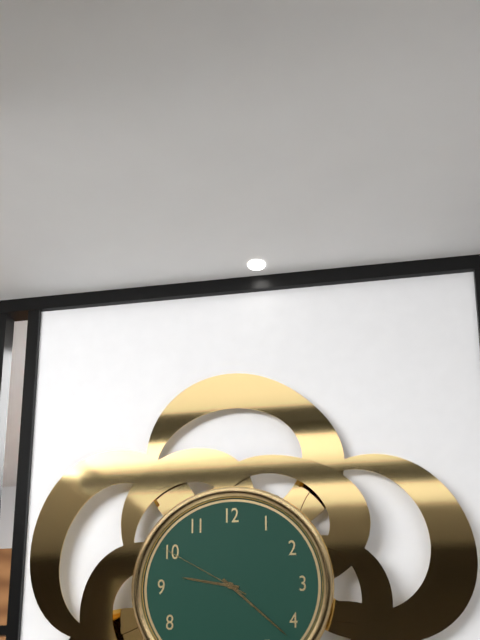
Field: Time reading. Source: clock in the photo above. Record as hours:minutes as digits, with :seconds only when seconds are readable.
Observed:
9:22:50
